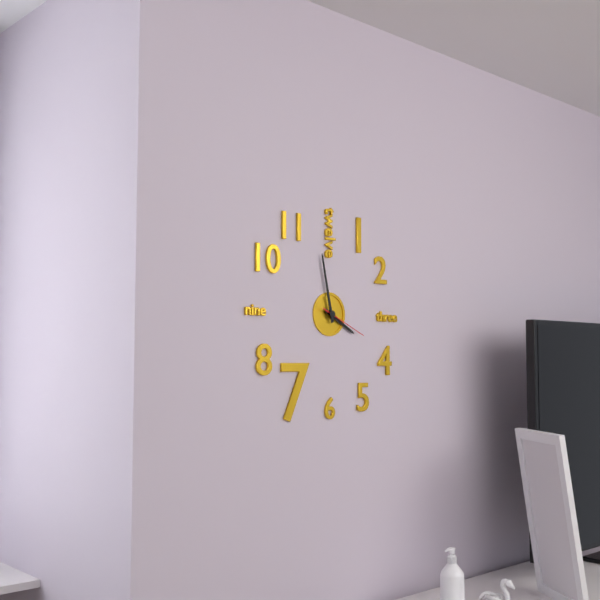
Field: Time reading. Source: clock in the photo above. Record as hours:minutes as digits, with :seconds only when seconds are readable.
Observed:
3:58
